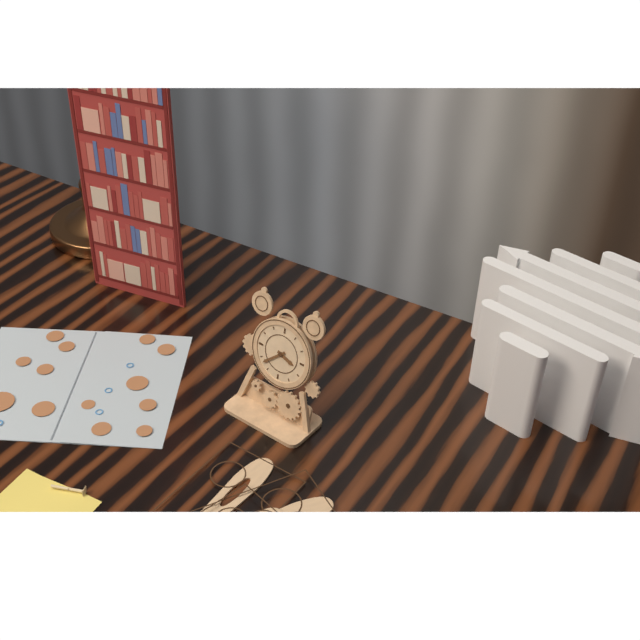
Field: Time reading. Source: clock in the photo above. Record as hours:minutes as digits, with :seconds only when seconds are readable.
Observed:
3:38
